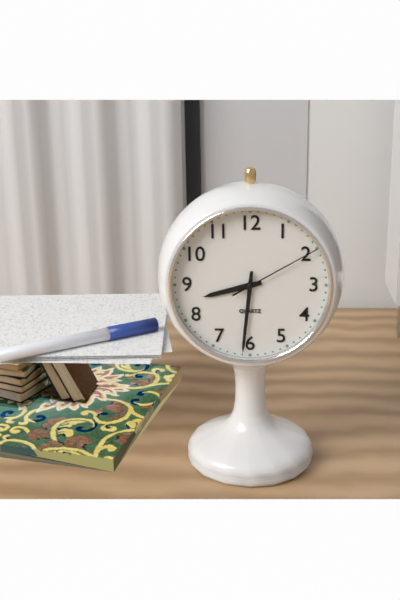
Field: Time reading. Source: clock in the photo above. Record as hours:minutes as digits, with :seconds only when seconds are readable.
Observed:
8:31:10
